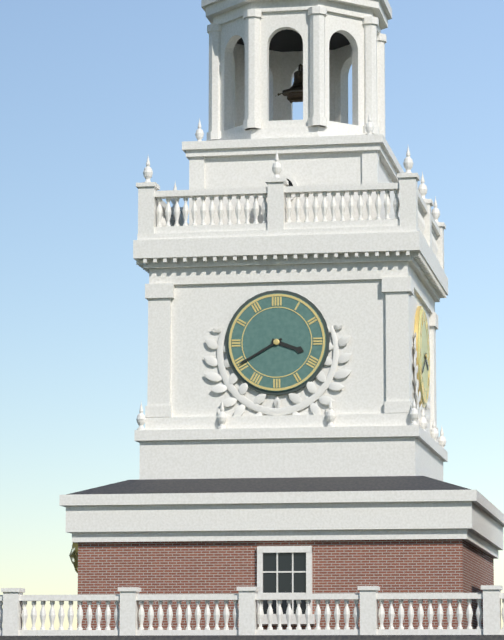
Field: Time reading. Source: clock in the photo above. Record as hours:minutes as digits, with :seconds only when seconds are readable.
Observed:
3:40
